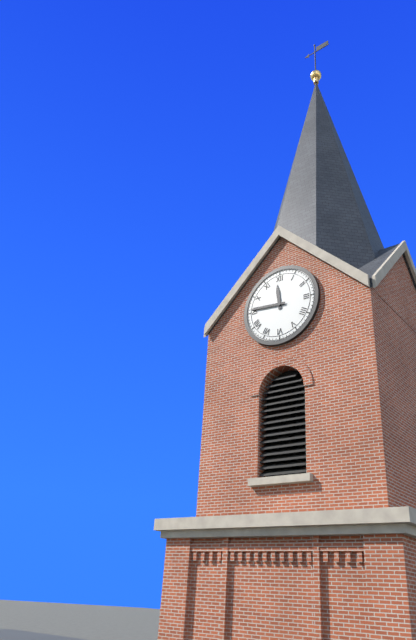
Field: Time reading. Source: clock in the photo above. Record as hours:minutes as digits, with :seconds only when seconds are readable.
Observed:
11:46
